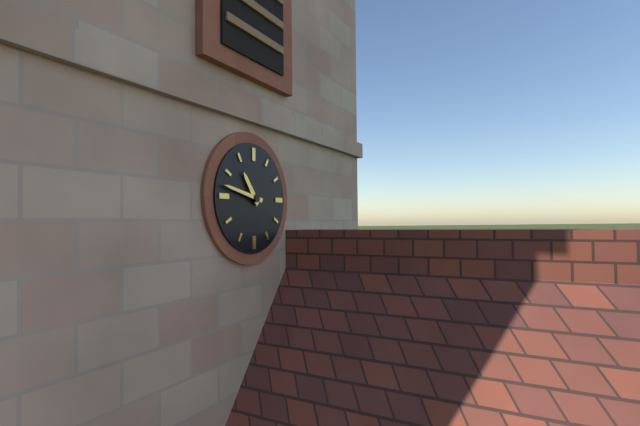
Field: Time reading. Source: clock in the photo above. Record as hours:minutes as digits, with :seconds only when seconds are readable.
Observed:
10:47
